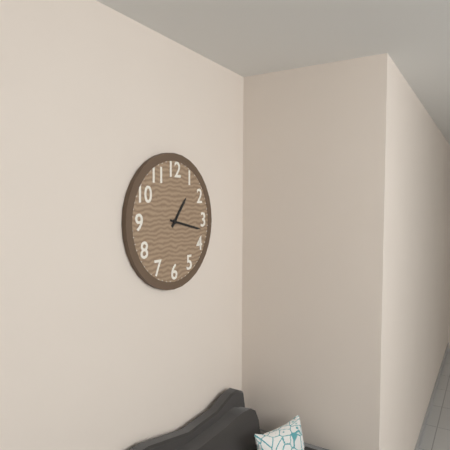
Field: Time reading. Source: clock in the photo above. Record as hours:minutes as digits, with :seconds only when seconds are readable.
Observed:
1:17
